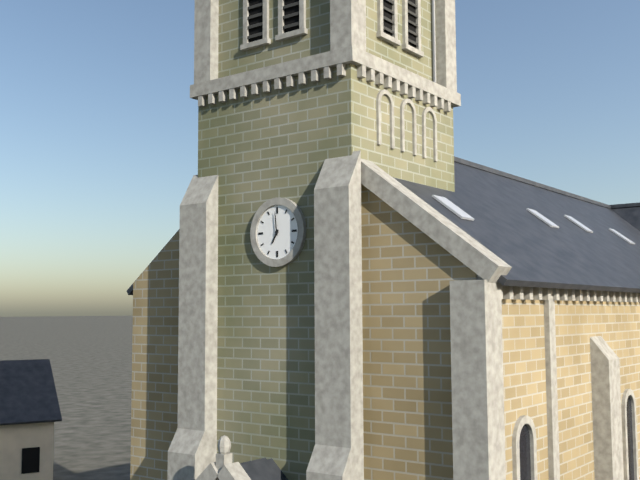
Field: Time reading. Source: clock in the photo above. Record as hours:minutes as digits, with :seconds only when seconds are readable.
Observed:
6:59
